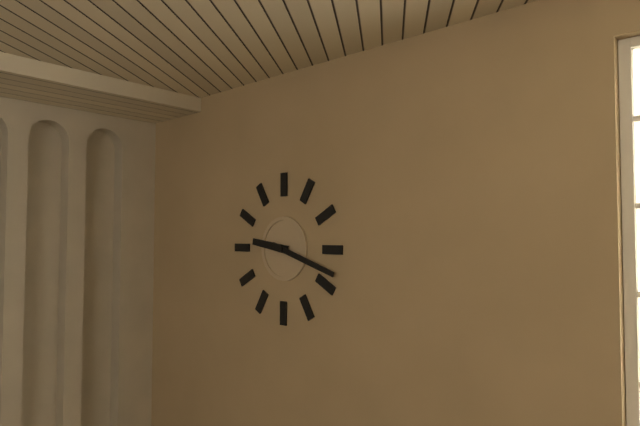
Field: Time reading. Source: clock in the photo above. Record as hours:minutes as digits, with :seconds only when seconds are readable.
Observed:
9:18
